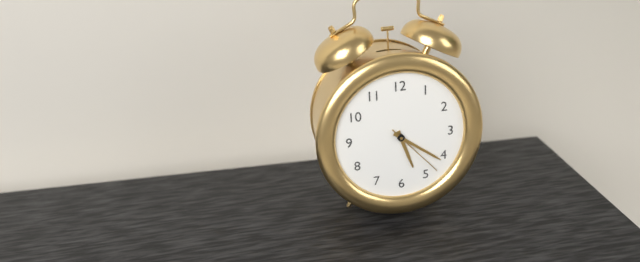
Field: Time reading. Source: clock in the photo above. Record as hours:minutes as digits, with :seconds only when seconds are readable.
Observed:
5:21:23
